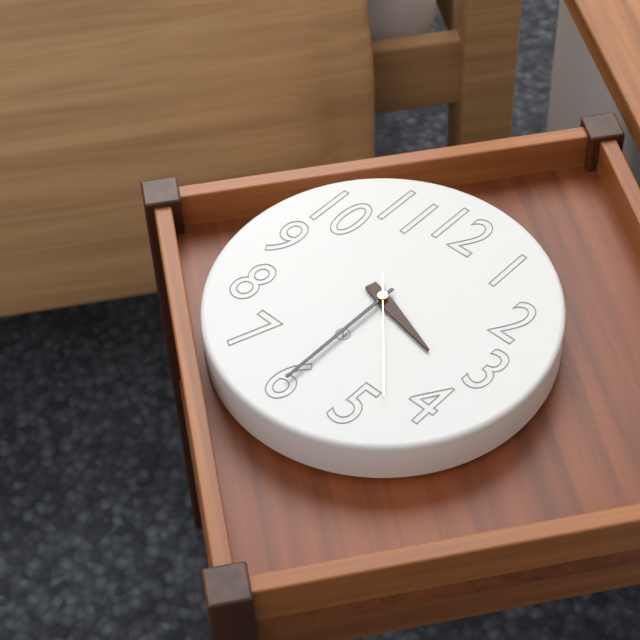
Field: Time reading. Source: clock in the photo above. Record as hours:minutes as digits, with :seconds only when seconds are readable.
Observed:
3:30:23
